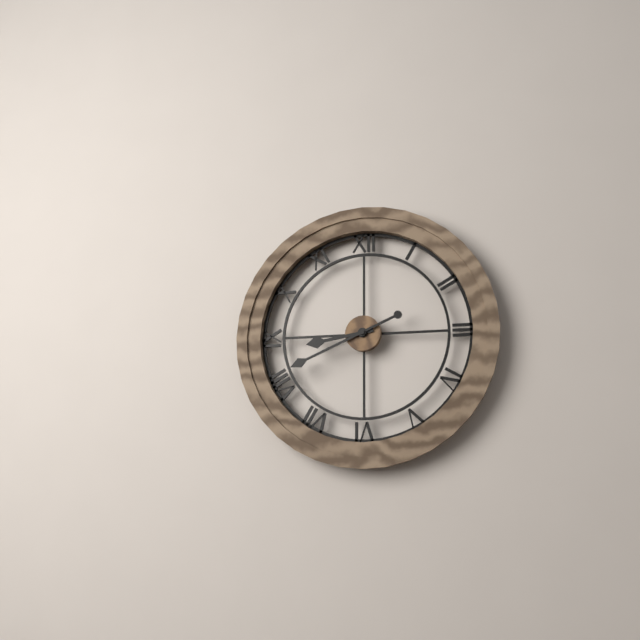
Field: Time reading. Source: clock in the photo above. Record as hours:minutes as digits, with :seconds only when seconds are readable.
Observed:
8:41
